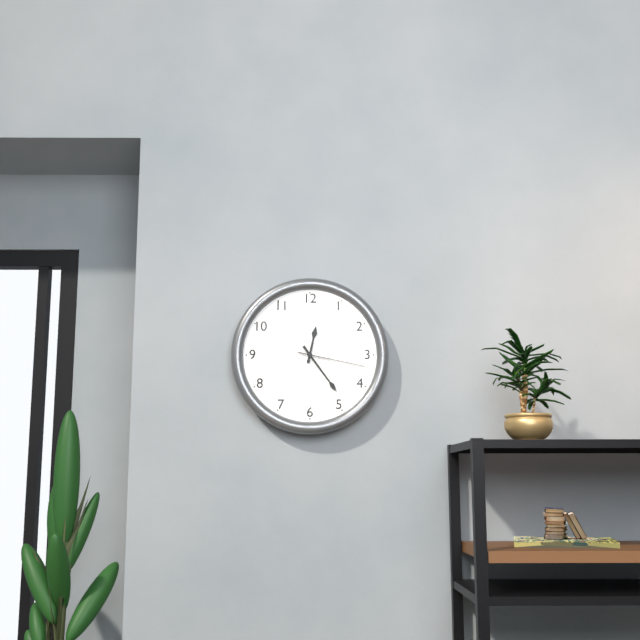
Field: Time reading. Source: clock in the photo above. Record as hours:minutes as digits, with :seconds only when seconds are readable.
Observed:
12:24:17
